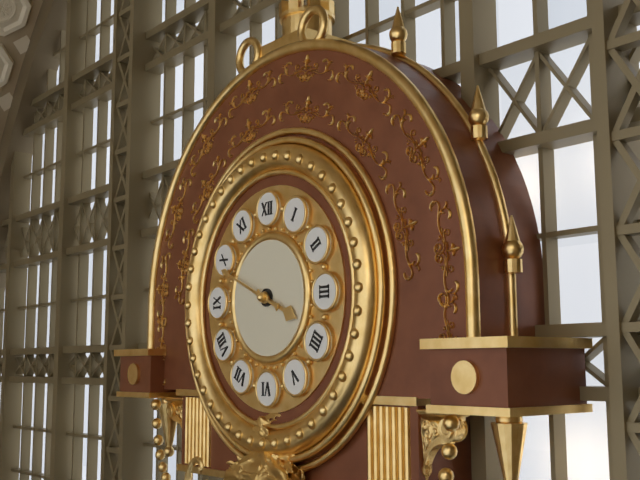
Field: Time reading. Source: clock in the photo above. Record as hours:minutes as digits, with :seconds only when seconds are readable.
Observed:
3:49
